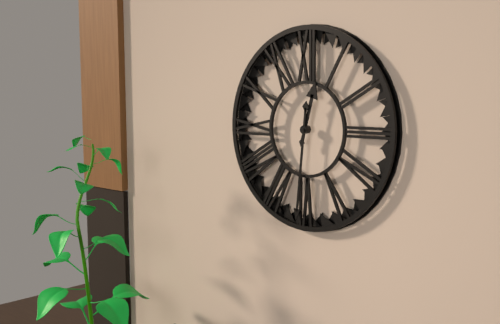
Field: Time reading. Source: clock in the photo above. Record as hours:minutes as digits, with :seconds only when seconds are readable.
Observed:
12:31
